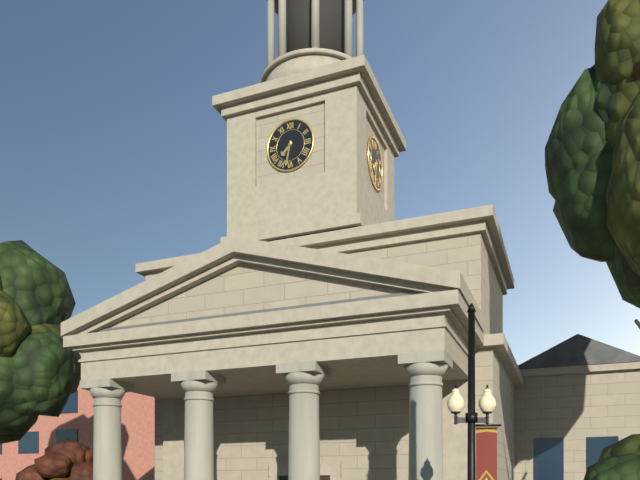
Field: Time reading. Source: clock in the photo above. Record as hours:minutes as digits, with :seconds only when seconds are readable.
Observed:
7:32
